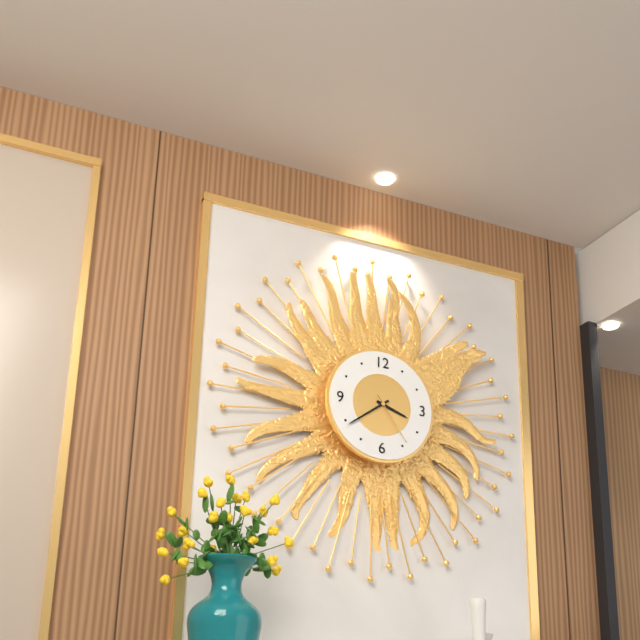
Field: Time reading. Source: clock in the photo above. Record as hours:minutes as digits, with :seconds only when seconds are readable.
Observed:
3:39:24
